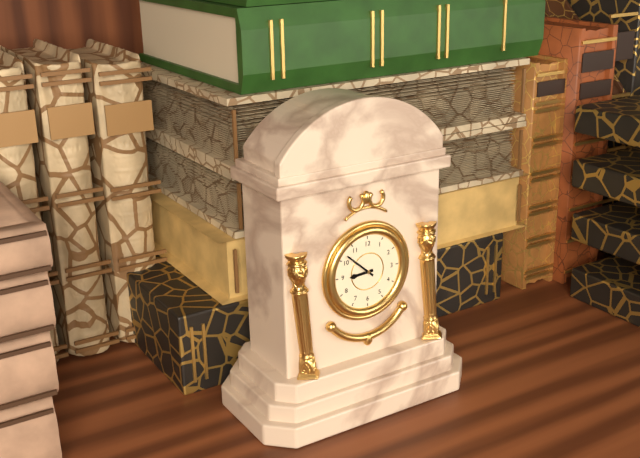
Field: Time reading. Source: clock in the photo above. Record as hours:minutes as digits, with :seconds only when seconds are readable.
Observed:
8:52
